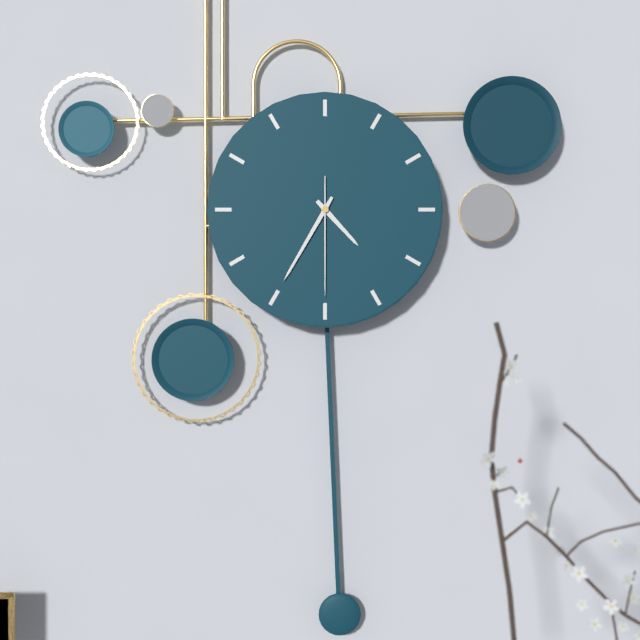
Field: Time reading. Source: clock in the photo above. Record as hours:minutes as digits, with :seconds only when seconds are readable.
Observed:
4:35:30
